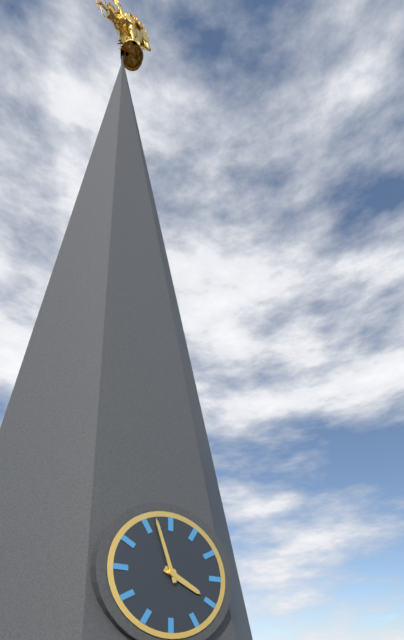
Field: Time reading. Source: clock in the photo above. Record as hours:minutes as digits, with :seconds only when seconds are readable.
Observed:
3:57
